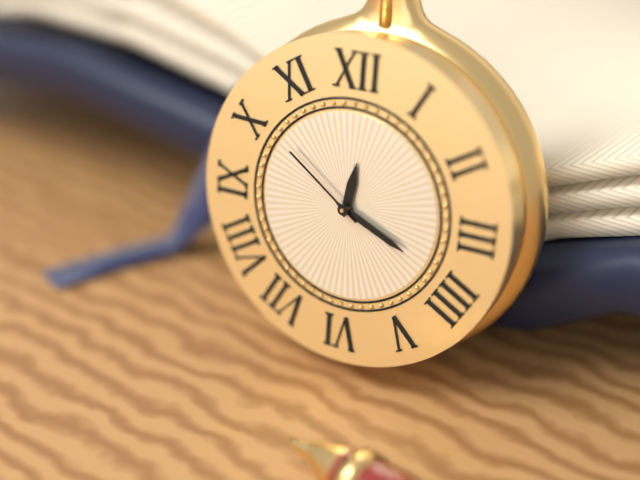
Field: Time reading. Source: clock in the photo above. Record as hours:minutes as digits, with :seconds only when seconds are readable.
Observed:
12:19:51
